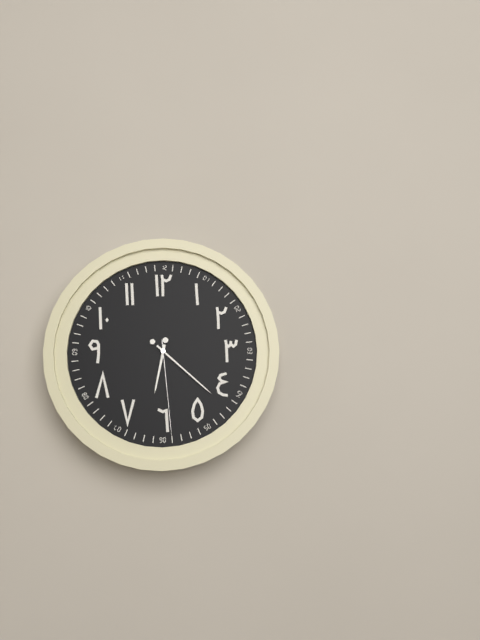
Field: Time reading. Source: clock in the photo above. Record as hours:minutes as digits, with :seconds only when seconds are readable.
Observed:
6:22:29
